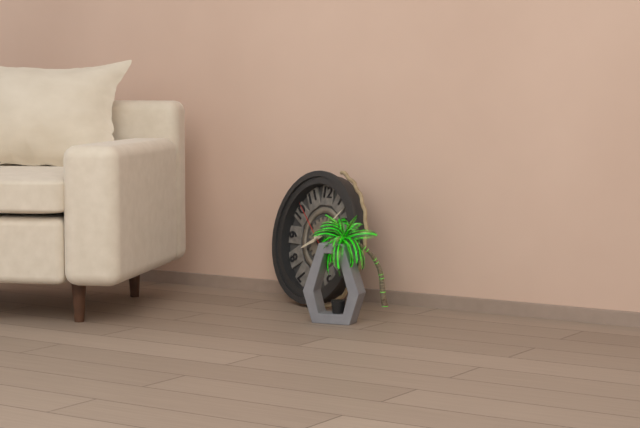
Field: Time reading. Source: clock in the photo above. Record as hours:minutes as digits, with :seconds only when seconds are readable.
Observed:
8:08
